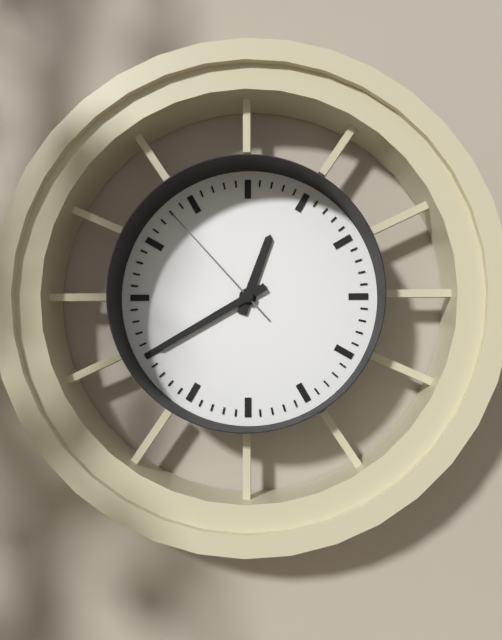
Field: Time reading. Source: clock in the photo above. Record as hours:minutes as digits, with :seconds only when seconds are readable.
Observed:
12:40:53
